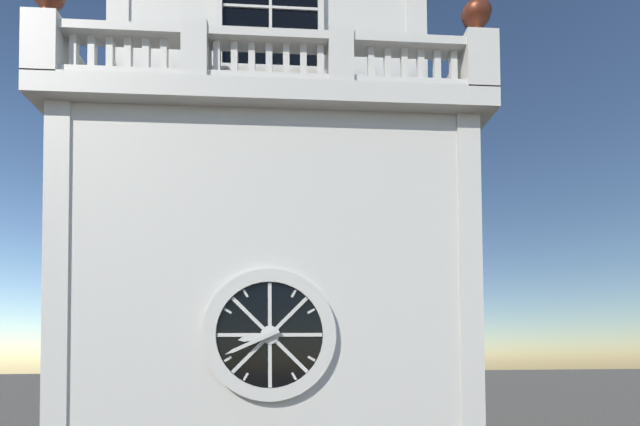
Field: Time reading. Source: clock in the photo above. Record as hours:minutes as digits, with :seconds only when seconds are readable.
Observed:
8:41
